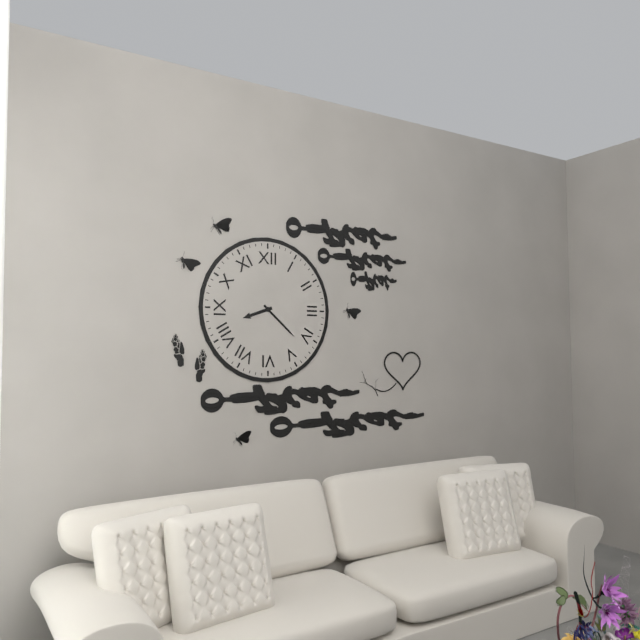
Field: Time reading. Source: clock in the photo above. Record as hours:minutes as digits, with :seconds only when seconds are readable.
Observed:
8:22
